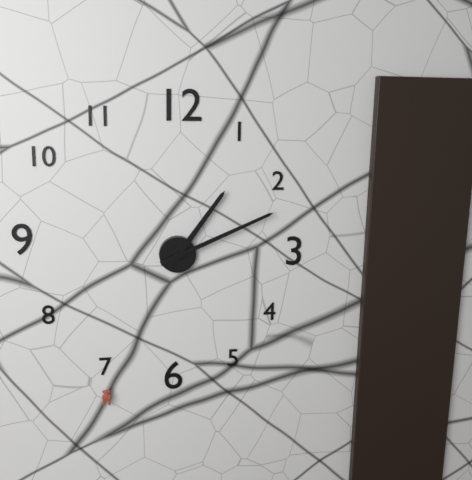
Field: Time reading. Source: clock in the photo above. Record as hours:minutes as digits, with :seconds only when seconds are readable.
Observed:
1:11
